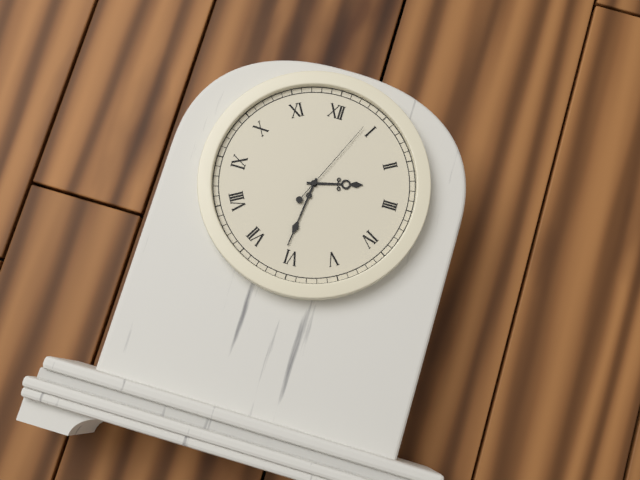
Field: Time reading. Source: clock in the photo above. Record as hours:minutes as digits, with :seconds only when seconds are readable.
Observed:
2:31:04
